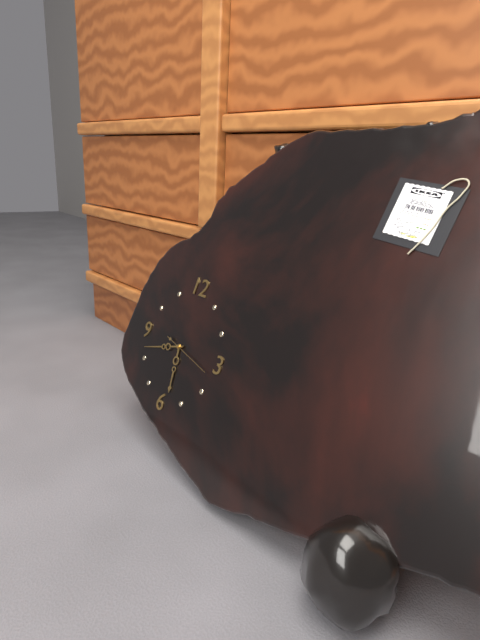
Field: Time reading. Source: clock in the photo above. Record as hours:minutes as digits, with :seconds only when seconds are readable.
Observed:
5:42
